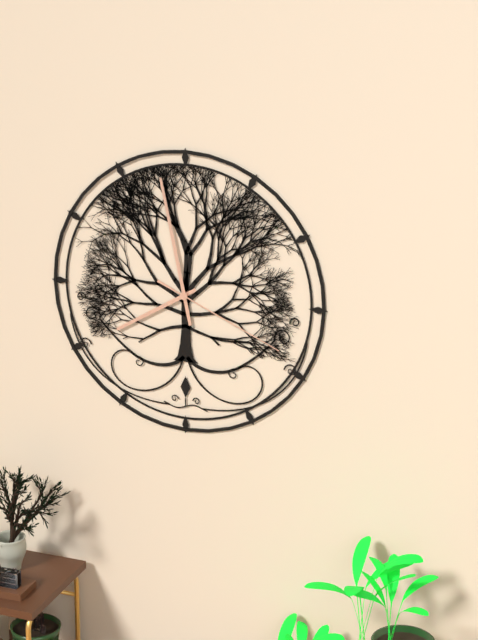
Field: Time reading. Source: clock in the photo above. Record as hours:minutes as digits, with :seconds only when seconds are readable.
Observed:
7:58:19
